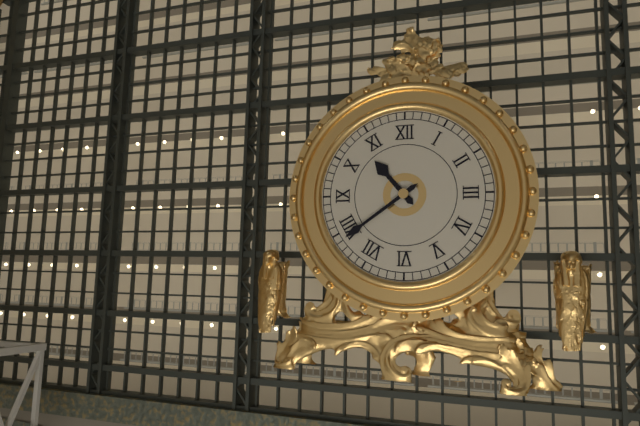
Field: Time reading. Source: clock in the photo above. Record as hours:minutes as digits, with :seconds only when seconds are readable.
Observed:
10:39
